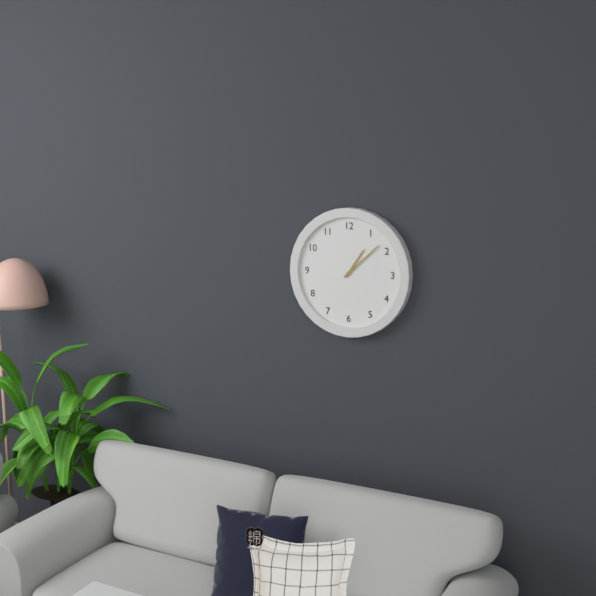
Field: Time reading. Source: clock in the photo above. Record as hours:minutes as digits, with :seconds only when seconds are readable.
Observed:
1:08
